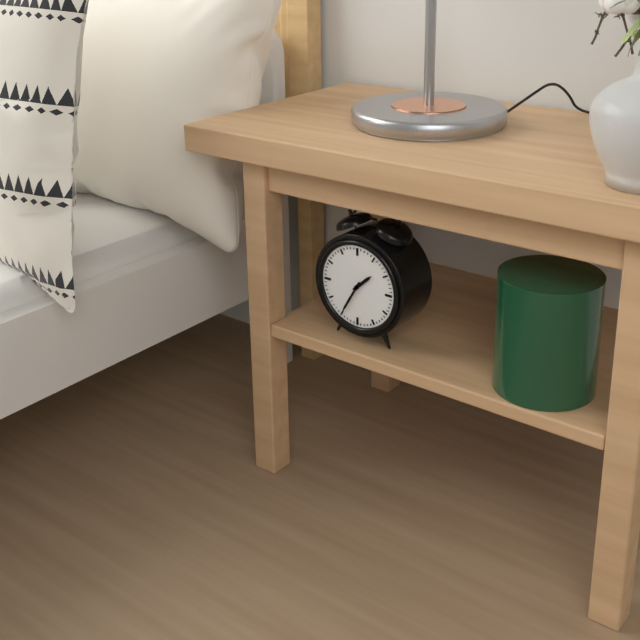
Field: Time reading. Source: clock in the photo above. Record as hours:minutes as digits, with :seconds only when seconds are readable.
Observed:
1:35
